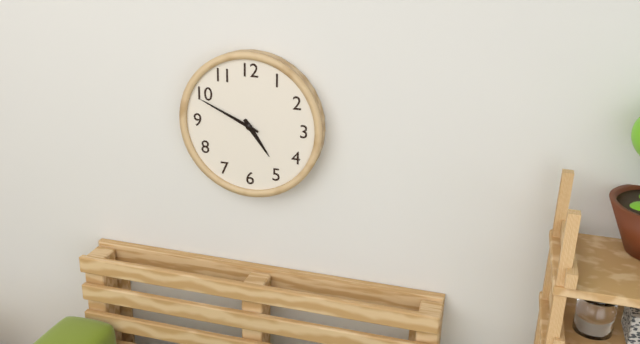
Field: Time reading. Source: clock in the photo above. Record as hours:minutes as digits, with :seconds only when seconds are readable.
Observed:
4:49
